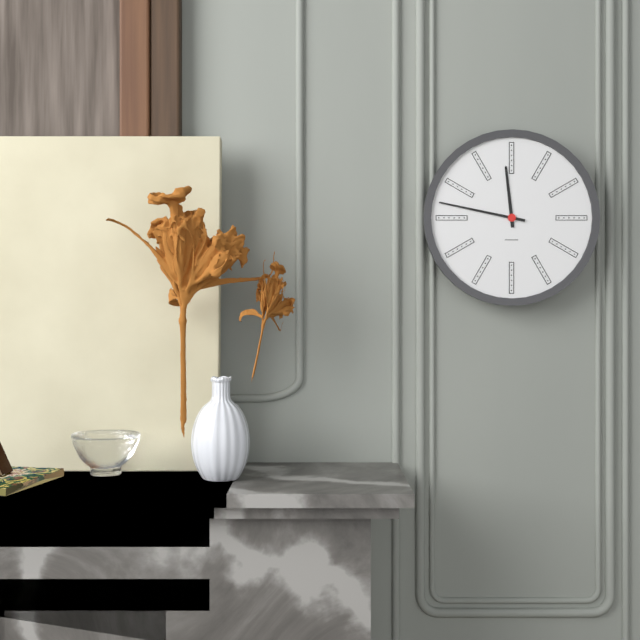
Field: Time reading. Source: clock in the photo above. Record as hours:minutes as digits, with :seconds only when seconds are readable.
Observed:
11:47
